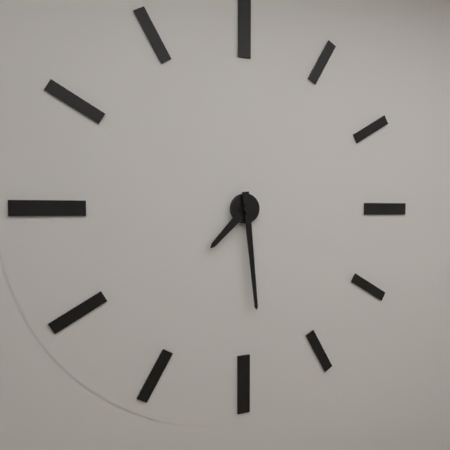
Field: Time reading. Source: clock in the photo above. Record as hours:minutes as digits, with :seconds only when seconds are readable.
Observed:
7:29
